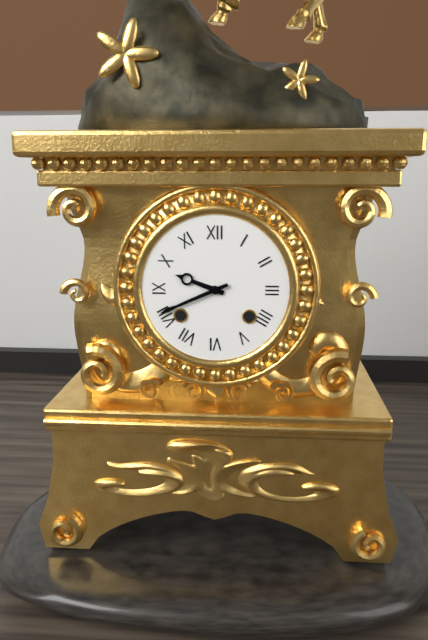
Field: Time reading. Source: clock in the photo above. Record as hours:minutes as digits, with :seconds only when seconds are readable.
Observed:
9:41
